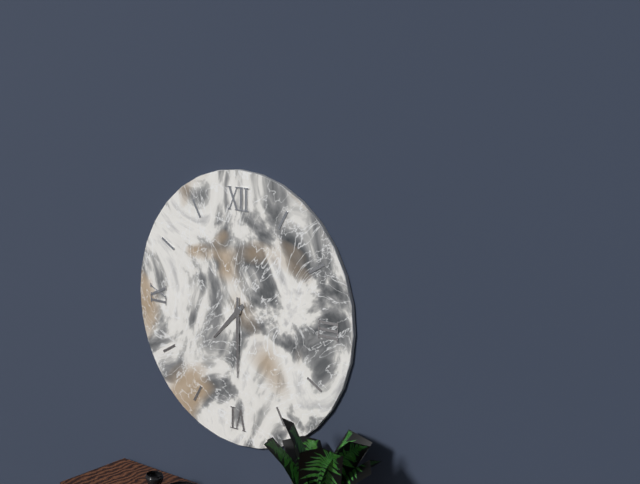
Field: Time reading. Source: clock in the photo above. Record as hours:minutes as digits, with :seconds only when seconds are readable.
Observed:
7:30
